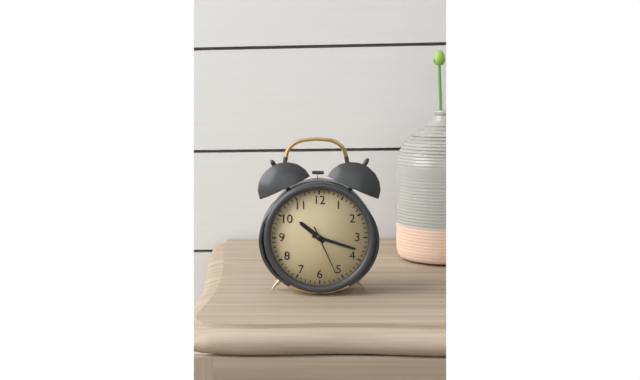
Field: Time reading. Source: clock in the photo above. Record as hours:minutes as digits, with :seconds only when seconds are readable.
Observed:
10:18:26
